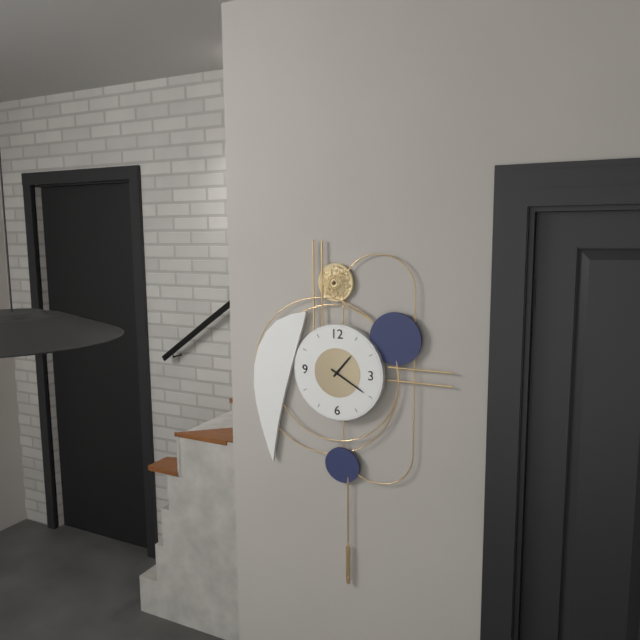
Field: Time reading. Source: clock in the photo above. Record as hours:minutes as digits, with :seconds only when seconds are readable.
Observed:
1:20
